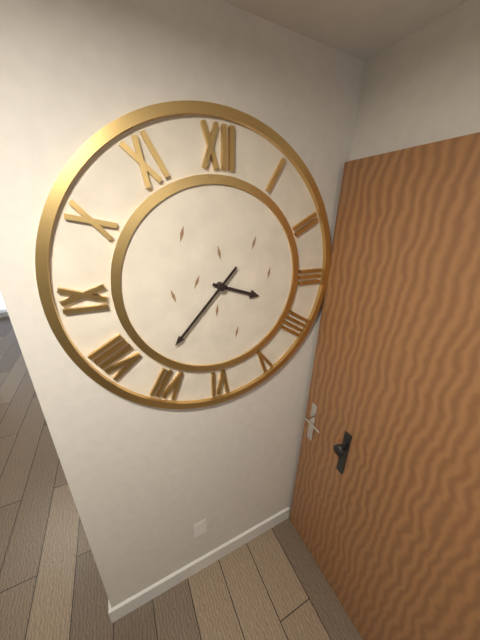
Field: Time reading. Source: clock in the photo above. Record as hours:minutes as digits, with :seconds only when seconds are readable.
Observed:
3:37
